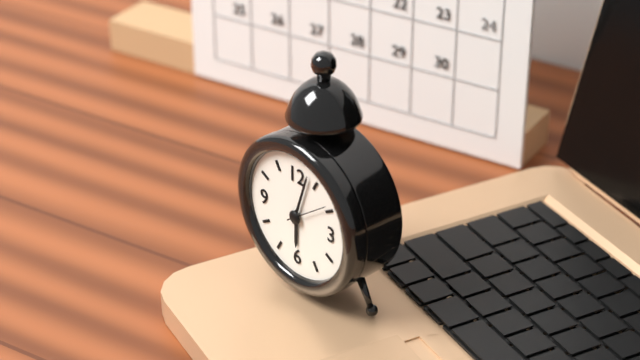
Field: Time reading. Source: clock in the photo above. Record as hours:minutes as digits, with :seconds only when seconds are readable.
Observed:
6:03
